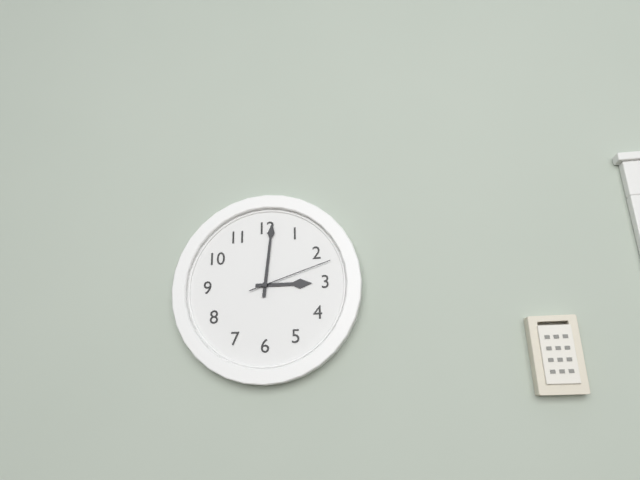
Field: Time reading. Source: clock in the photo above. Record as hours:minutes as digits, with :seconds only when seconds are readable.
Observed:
3:01:12
